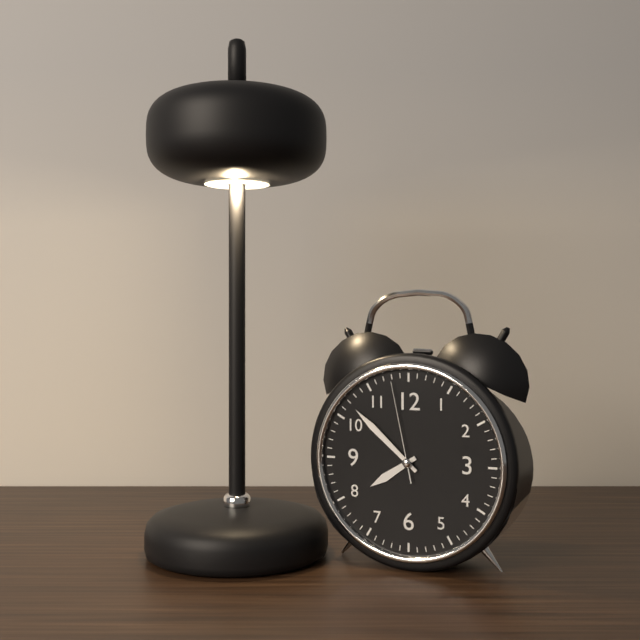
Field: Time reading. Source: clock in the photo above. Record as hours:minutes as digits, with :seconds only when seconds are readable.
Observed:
7:52:58
